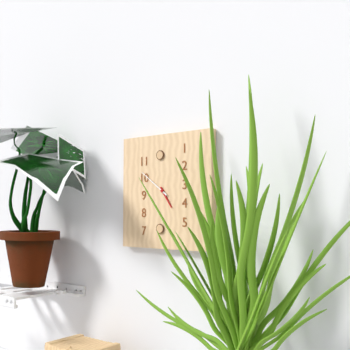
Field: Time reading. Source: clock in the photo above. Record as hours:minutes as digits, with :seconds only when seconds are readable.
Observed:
4:51
